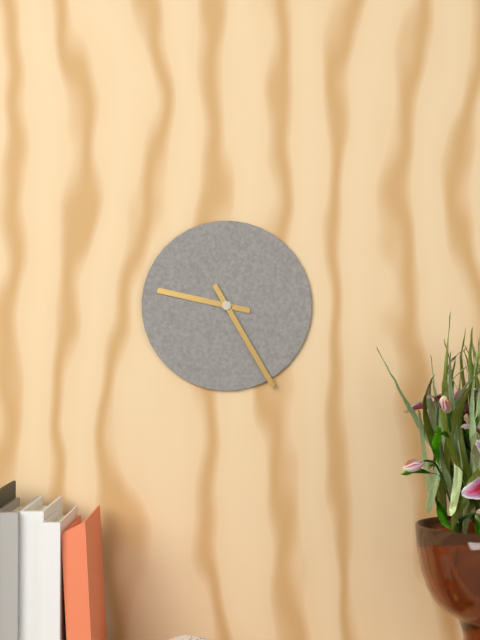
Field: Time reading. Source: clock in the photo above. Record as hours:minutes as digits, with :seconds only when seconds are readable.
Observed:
9:25
